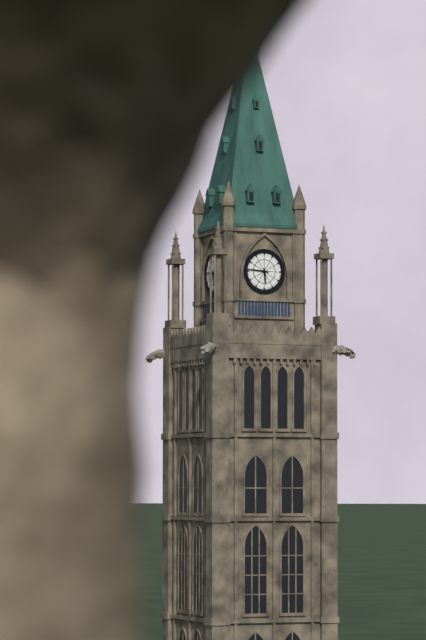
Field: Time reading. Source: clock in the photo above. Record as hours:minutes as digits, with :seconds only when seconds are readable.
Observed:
5:46
